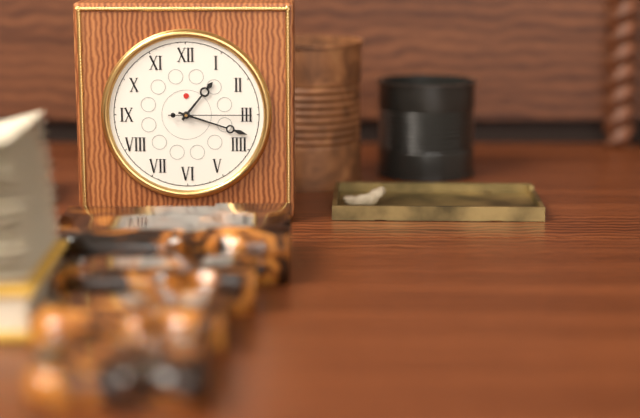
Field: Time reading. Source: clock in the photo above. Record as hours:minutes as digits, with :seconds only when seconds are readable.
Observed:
1:18:15
